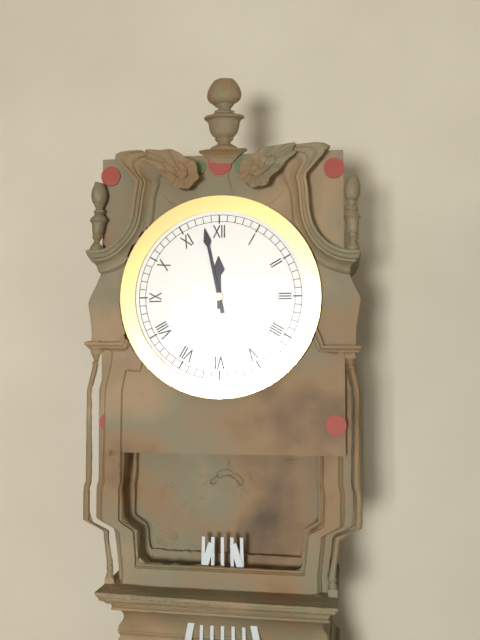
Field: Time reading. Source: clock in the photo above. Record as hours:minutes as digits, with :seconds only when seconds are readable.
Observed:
11:58
